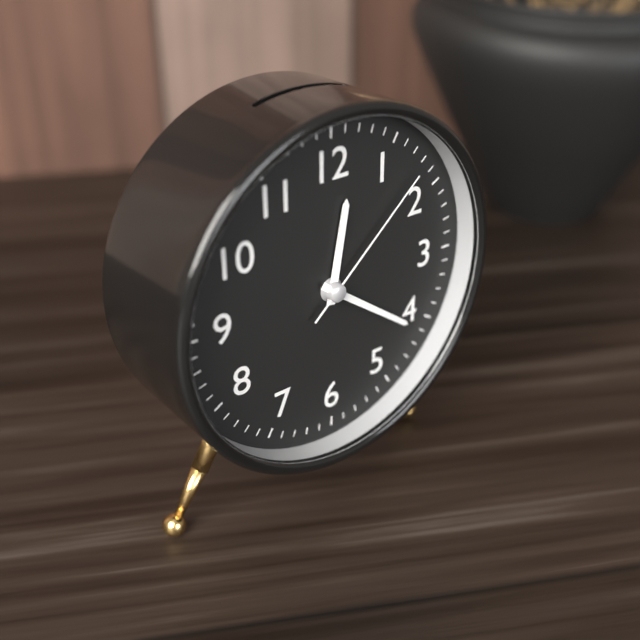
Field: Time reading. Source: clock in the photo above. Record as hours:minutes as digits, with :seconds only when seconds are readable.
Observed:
12:21:08
